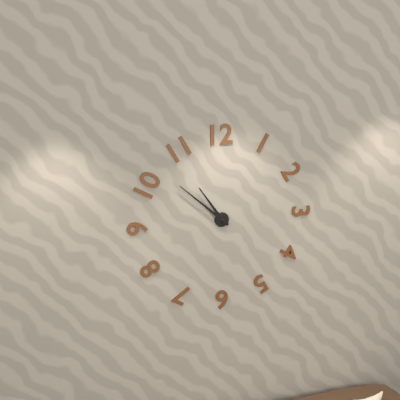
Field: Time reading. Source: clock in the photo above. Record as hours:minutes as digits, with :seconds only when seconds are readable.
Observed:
10:52
